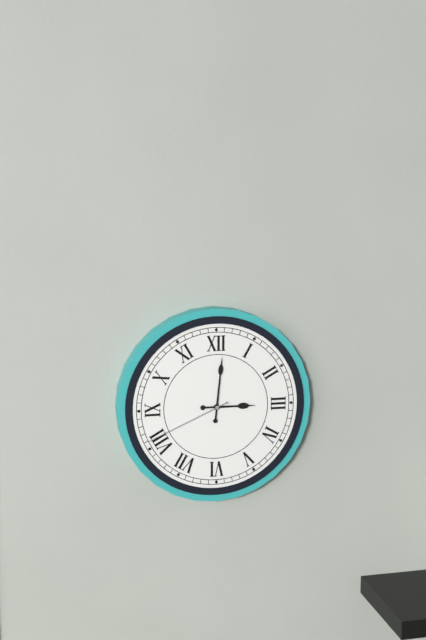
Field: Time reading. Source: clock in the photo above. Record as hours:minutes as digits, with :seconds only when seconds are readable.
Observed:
3:01:41
